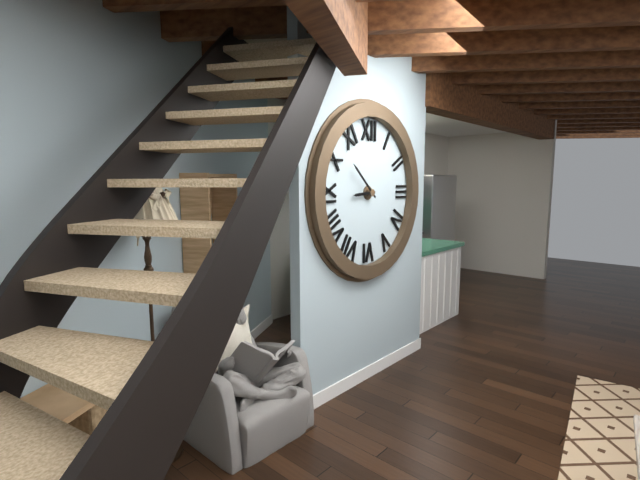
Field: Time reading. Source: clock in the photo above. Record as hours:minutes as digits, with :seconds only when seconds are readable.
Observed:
8:52
